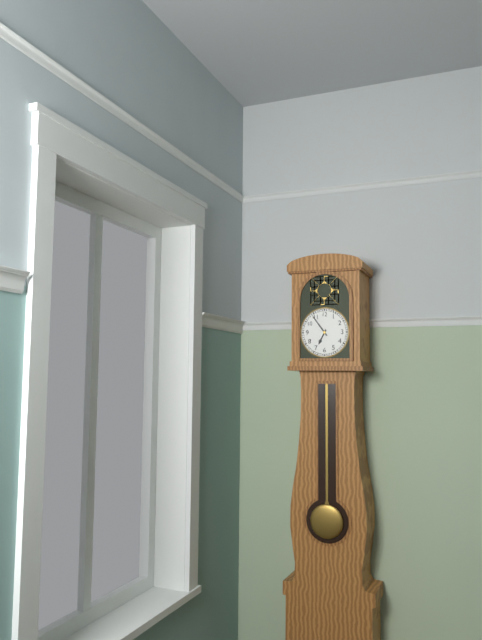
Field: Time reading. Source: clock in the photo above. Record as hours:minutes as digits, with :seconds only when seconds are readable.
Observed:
6:54
